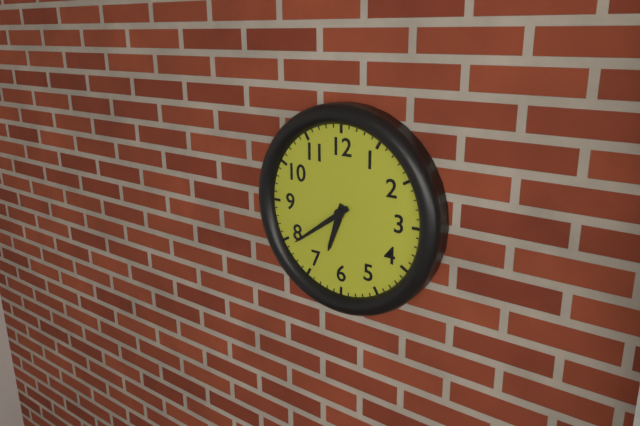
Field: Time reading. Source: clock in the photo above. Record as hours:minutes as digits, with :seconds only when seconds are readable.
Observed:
6:39
